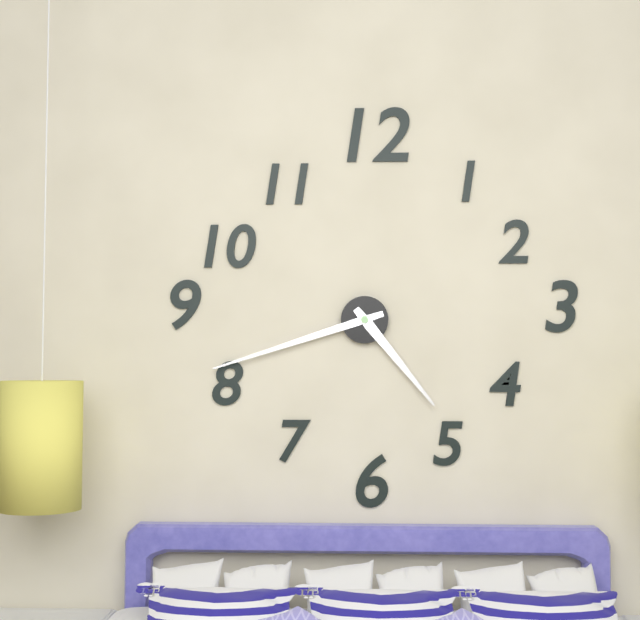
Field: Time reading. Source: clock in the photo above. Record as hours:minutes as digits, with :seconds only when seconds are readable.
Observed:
4:42
